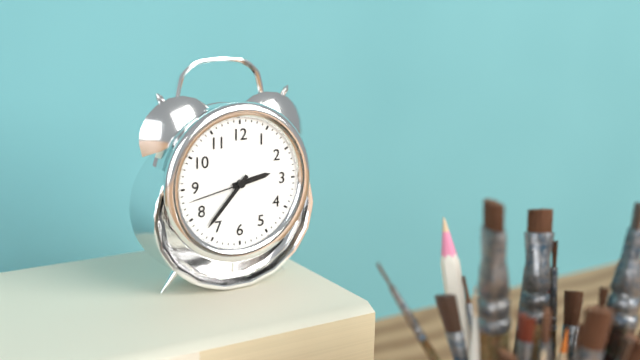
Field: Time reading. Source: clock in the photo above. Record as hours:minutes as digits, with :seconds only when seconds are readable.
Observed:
2:37:43
